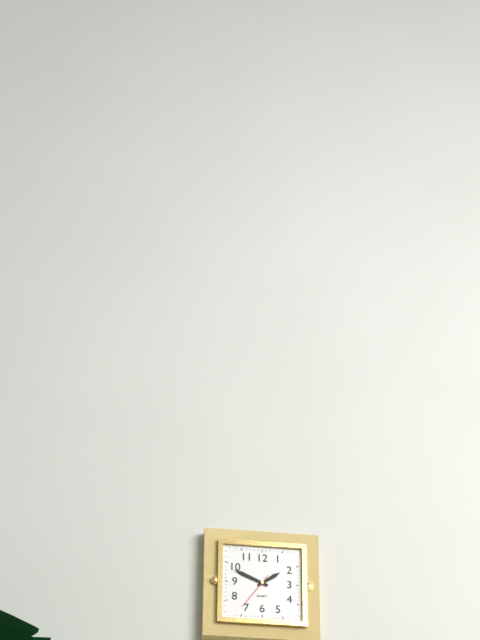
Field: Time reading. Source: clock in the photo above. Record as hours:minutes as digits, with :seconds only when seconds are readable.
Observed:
1:49
